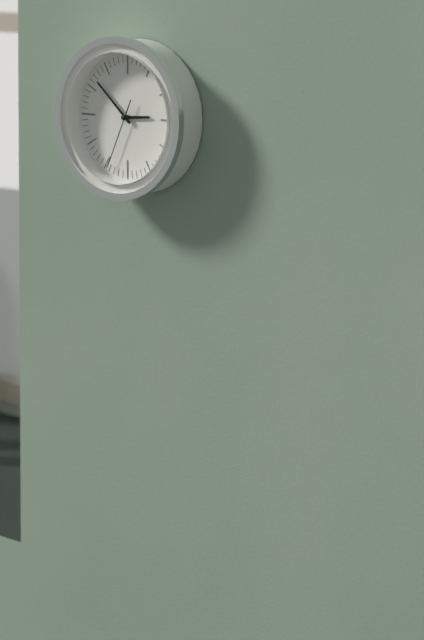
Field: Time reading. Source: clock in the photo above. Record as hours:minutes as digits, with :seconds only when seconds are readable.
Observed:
2:52:34
